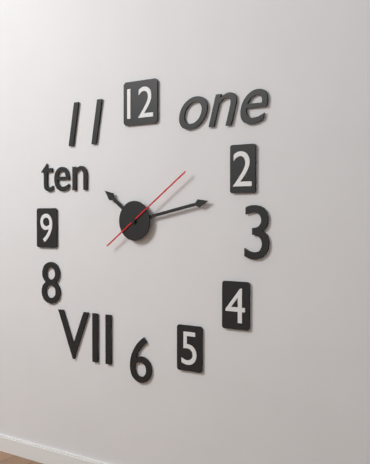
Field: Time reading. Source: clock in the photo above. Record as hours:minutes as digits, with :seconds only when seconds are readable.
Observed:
10:13:09
